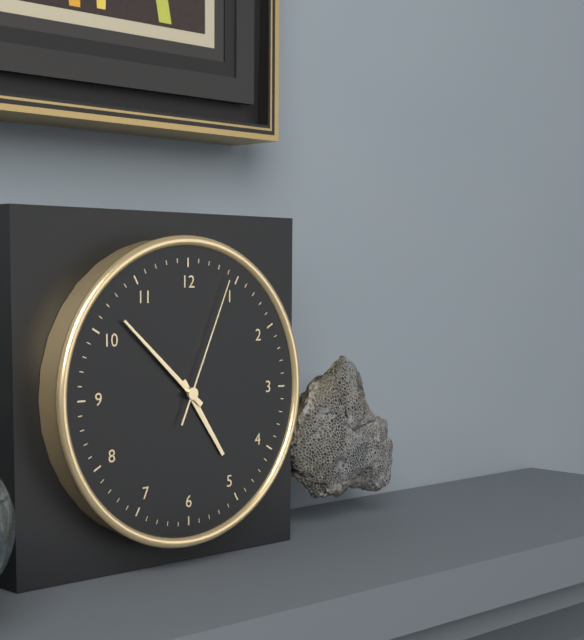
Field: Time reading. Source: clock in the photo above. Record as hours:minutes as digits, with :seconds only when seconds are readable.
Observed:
4:52:04
